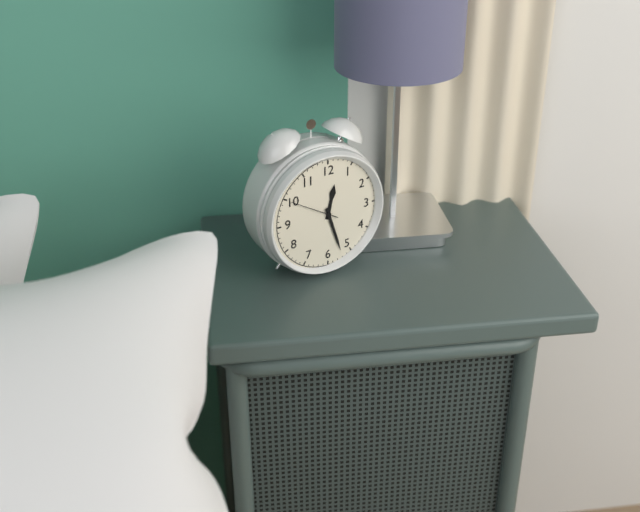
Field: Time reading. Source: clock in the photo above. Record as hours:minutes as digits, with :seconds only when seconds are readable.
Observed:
12:27
